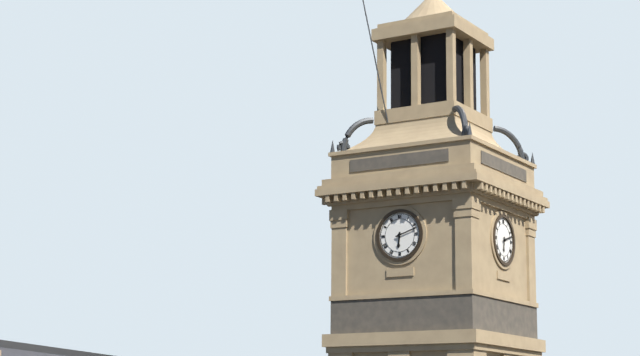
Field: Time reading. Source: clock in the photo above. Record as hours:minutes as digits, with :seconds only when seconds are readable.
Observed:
6:12
